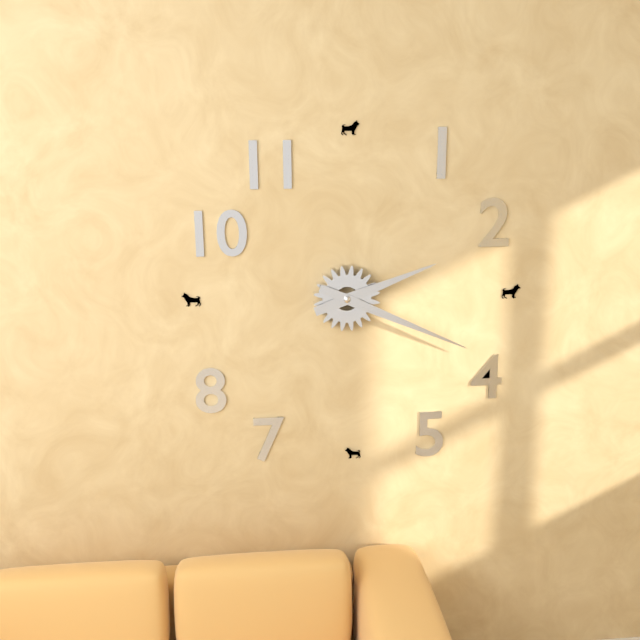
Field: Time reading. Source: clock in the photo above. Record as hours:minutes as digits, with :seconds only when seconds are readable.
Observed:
2:19
